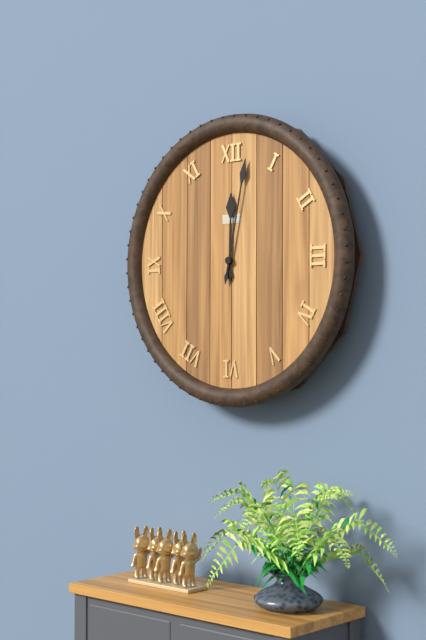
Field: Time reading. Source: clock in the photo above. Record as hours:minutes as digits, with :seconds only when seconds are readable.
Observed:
12:02
